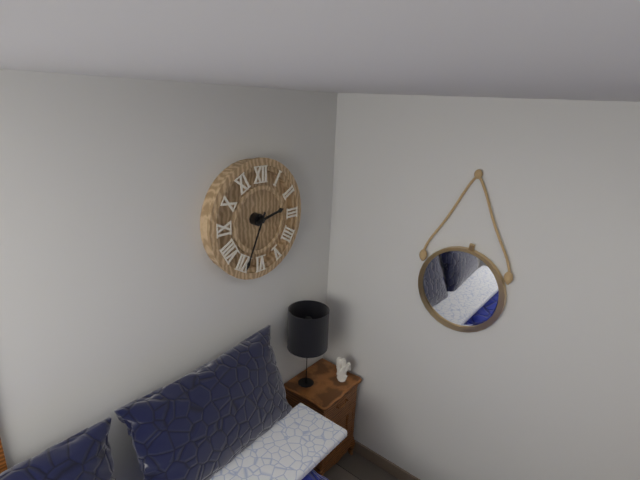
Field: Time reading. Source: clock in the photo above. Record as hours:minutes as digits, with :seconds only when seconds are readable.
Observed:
2:34
